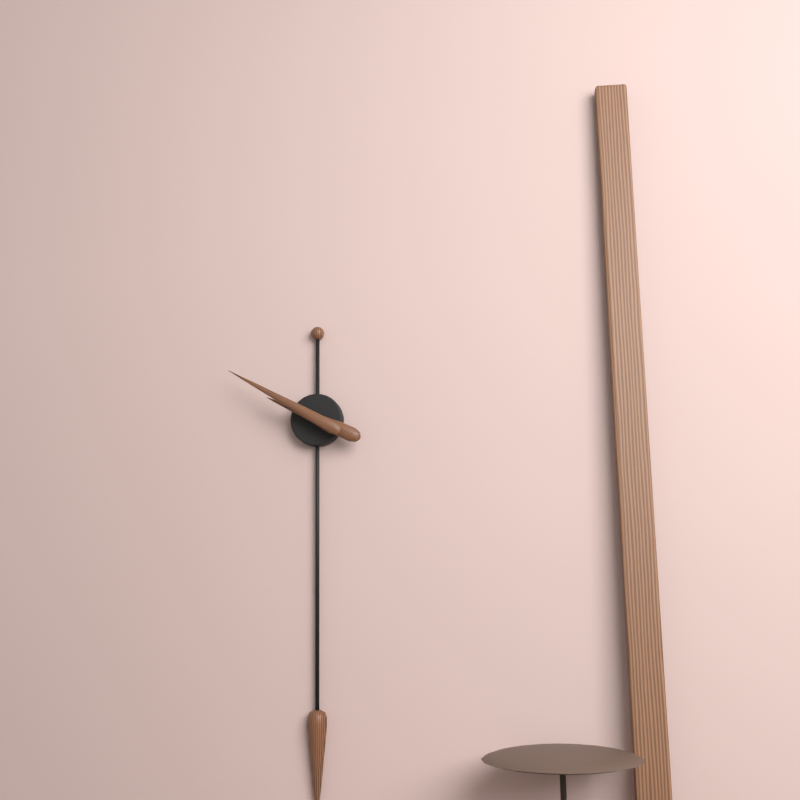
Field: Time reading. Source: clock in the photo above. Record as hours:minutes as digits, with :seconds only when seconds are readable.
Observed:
9:50
